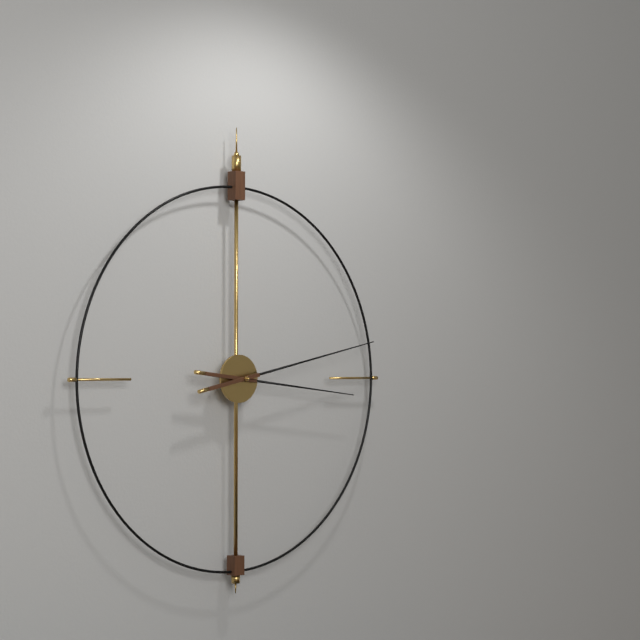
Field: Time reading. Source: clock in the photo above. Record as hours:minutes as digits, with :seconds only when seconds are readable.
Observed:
3:13
